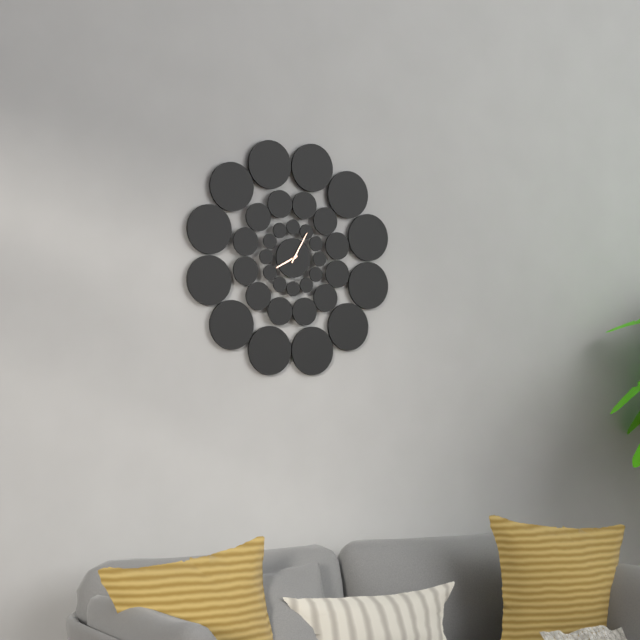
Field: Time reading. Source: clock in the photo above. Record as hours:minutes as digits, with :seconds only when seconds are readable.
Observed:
8:05
